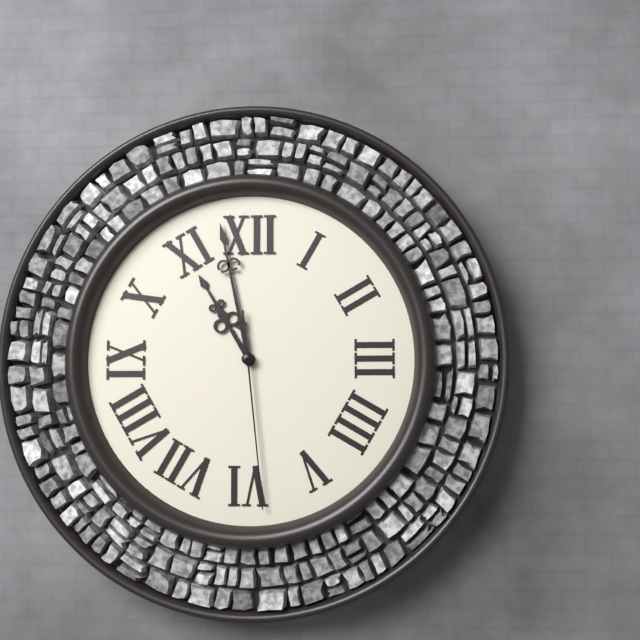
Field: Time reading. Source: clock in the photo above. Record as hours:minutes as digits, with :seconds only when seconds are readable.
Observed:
10:58:29
